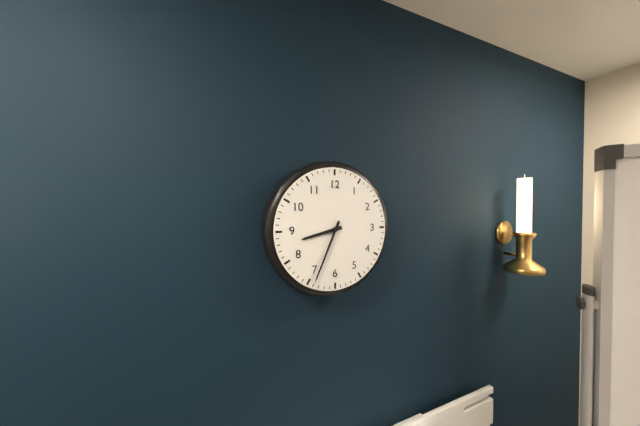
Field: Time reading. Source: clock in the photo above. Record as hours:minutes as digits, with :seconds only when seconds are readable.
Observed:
8:34
